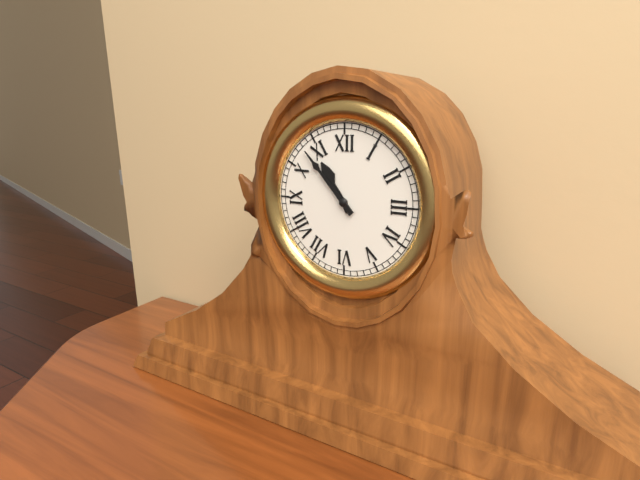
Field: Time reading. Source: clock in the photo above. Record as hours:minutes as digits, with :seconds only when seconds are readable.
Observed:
10:53
